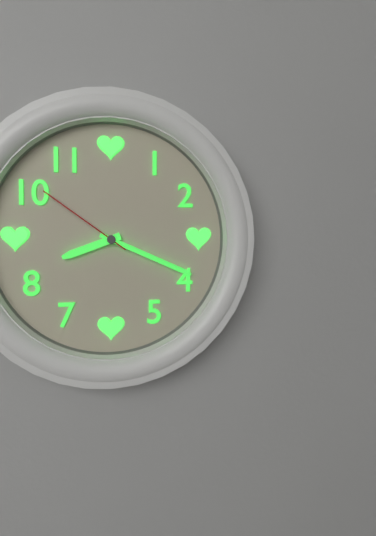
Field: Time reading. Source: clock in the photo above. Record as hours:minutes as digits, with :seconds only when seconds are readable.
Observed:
8:19:51
